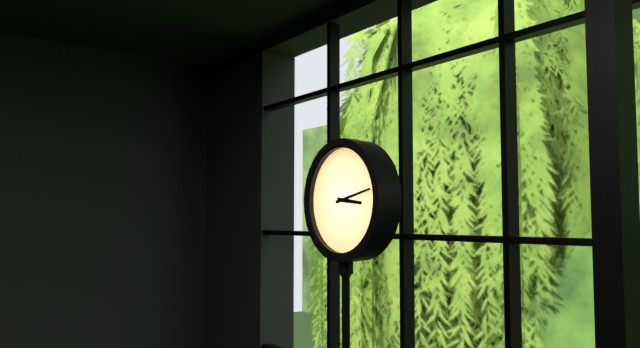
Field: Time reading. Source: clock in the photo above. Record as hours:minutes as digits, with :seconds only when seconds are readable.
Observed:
3:13
